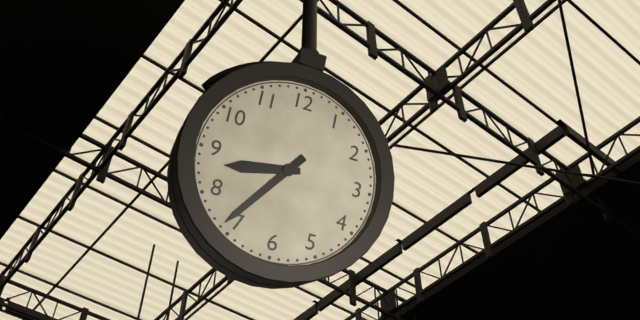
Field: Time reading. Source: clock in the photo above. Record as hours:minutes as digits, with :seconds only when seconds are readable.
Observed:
8:36
